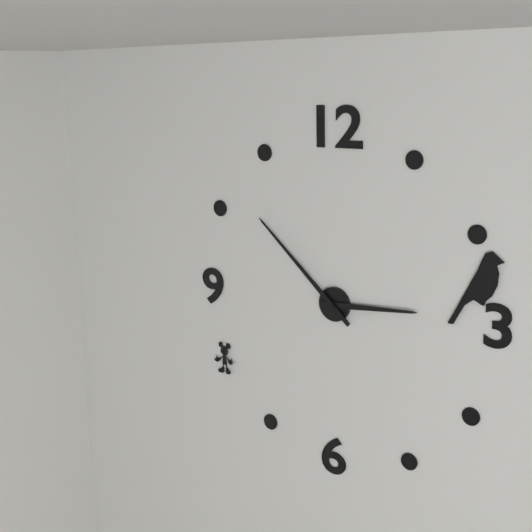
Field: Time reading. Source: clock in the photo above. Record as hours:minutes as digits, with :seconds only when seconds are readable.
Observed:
2:52
